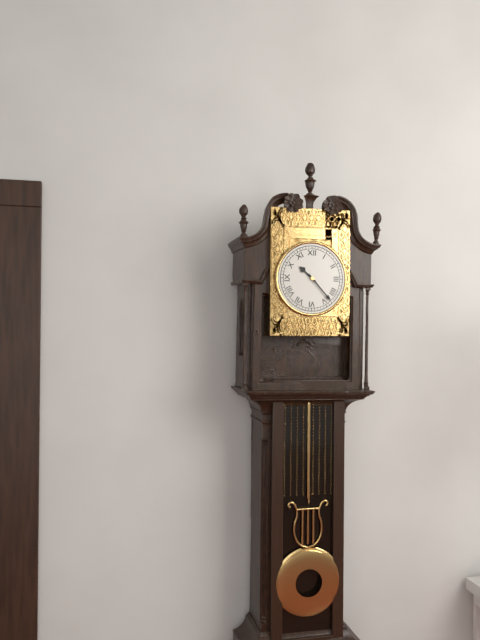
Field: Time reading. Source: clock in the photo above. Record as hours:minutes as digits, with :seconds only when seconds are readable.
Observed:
10:23
